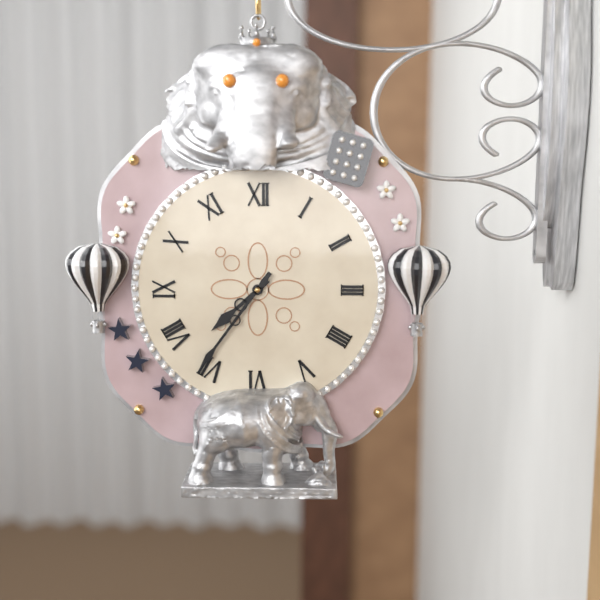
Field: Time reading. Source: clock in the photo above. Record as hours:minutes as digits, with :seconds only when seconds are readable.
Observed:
7:36
